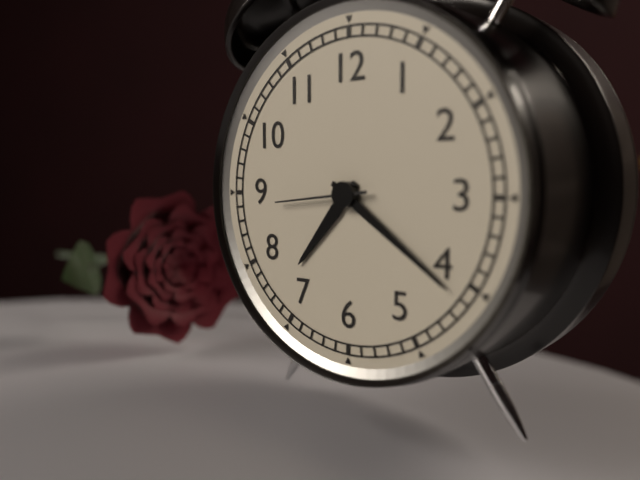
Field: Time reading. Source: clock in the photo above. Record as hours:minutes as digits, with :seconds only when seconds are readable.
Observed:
7:21:44
